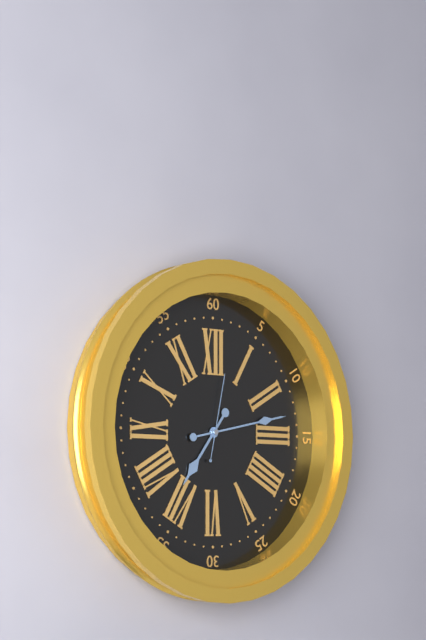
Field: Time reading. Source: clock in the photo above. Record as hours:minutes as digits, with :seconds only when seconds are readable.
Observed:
7:13:02
